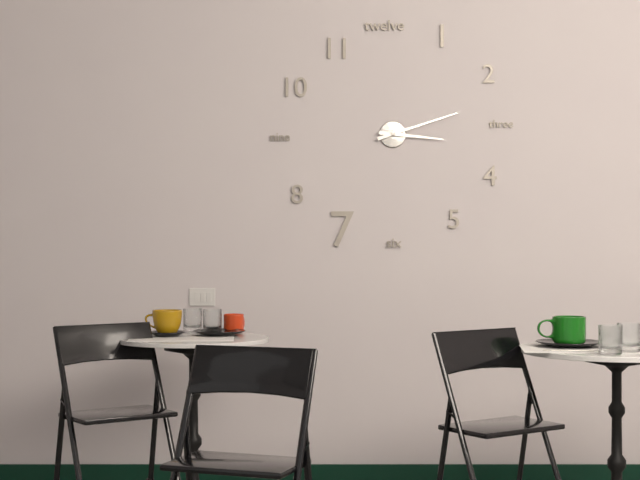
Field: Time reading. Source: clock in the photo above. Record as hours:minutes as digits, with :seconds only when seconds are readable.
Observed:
3:12
